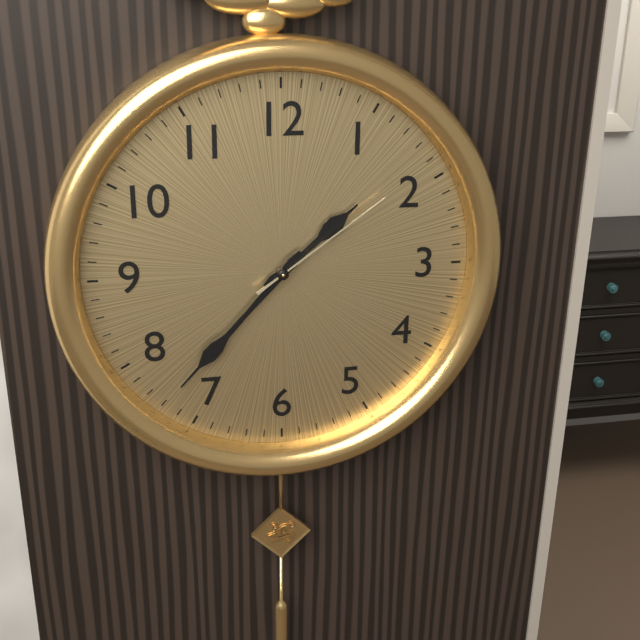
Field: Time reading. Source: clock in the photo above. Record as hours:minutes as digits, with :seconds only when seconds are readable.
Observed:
1:37:09
